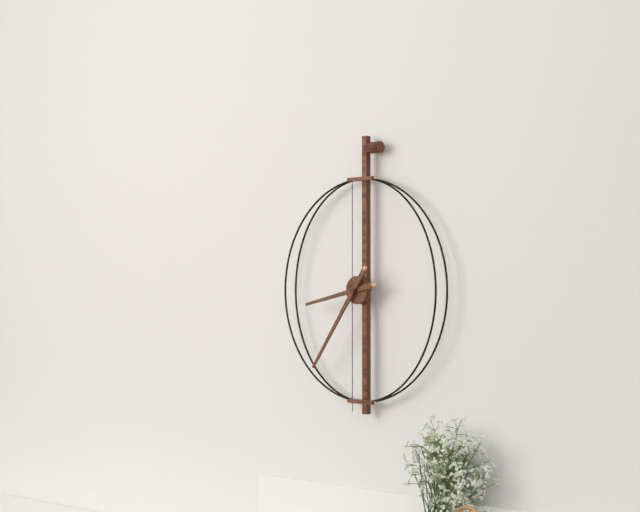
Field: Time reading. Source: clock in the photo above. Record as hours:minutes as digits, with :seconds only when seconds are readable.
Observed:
8:36
